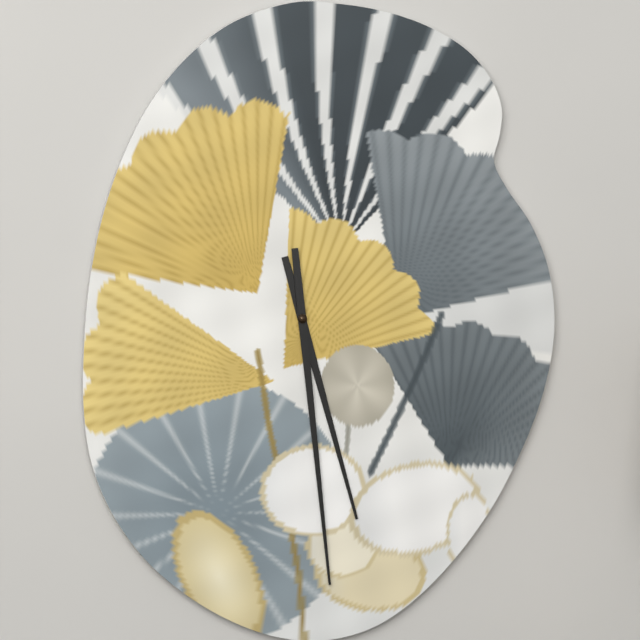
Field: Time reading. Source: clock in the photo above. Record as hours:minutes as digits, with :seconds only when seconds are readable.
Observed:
5:29
